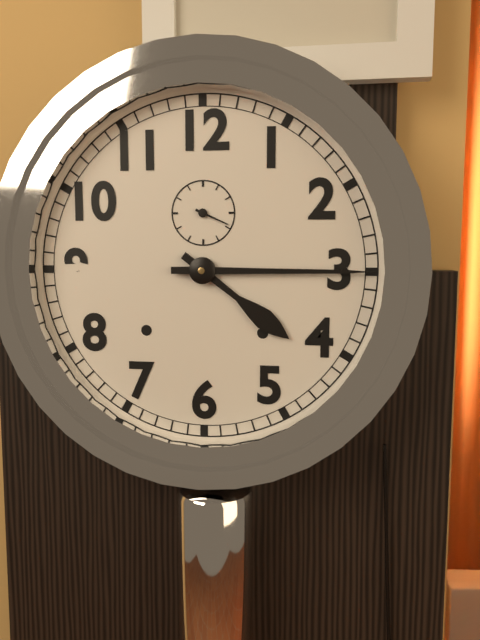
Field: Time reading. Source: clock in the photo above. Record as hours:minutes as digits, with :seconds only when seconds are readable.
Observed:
4:15
